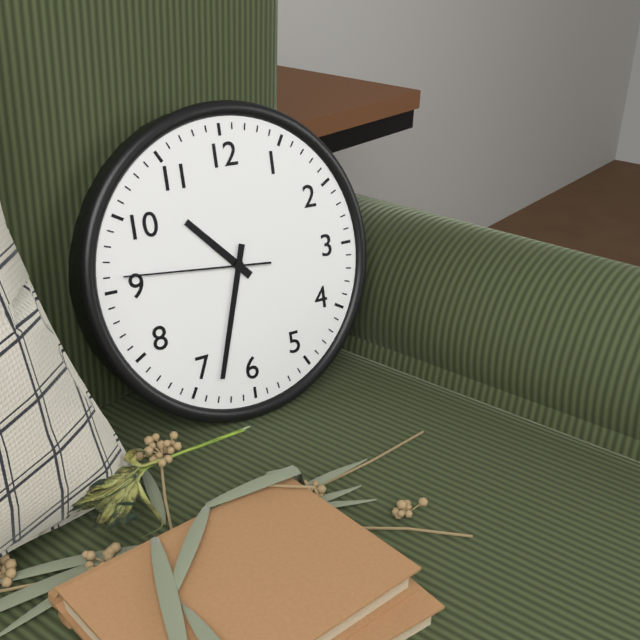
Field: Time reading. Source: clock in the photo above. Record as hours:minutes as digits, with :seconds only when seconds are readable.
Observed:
10:33:46
